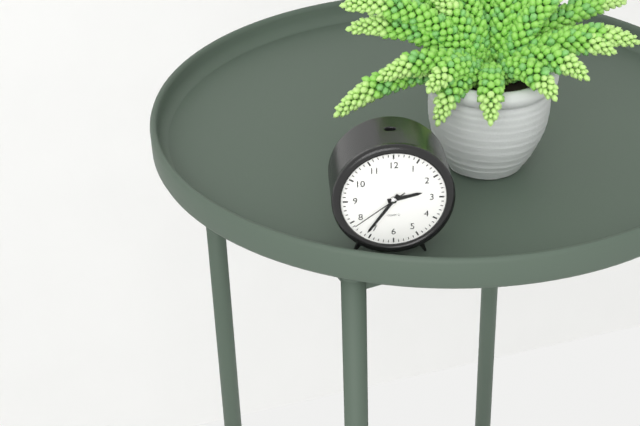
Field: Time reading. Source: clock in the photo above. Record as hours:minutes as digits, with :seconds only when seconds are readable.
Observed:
2:36:39
